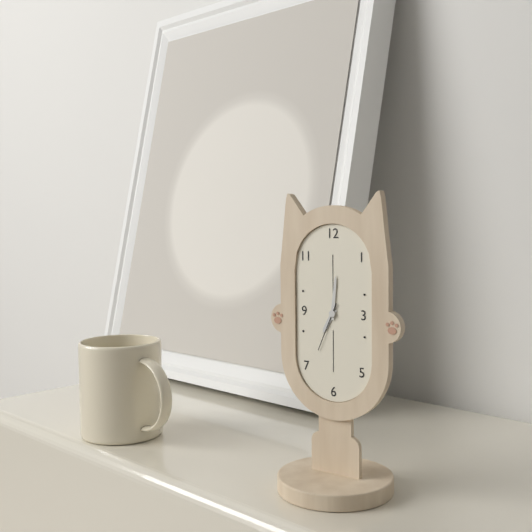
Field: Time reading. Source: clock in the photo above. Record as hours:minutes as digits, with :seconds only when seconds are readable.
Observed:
7:01
